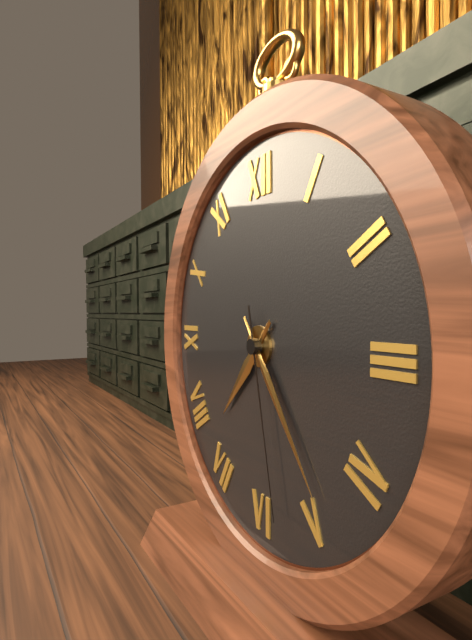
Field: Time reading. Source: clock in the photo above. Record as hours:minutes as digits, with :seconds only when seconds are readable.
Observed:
7:24:28
